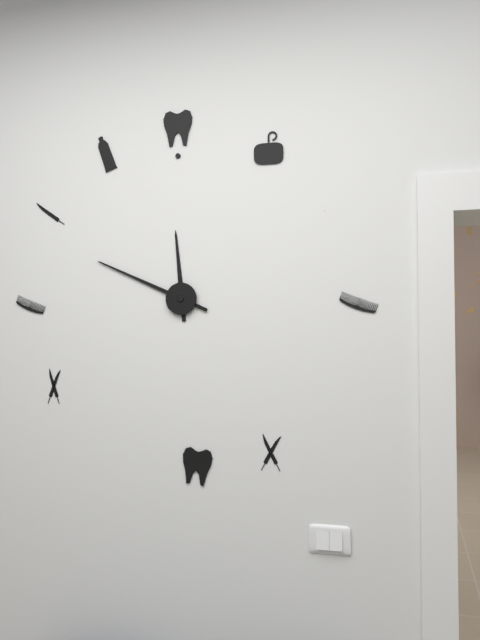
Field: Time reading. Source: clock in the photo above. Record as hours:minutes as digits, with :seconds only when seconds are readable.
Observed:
11:49
